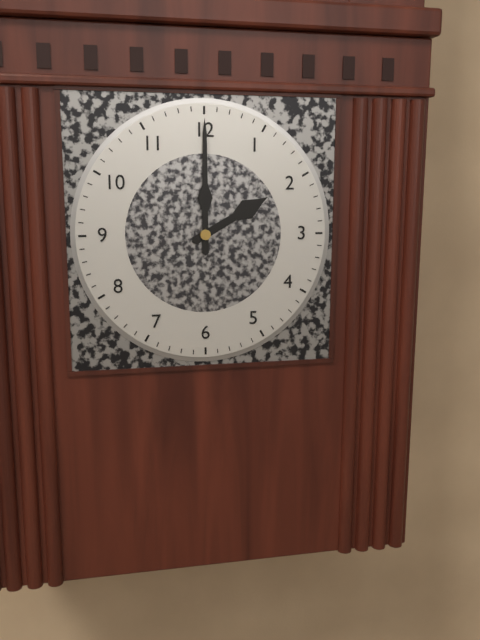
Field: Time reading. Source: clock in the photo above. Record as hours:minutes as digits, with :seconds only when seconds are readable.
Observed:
2:00
